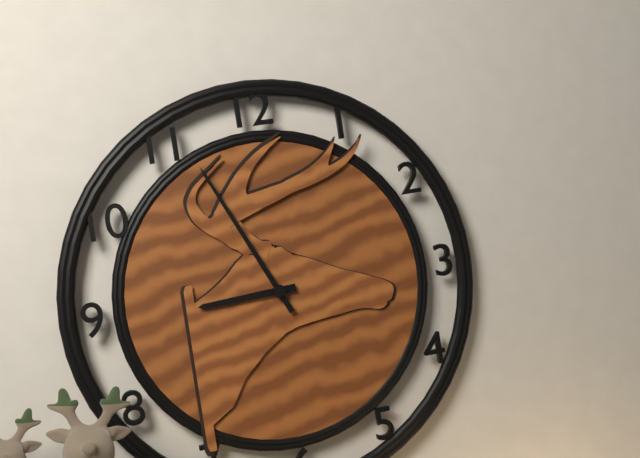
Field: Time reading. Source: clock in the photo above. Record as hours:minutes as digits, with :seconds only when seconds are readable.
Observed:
8:56
